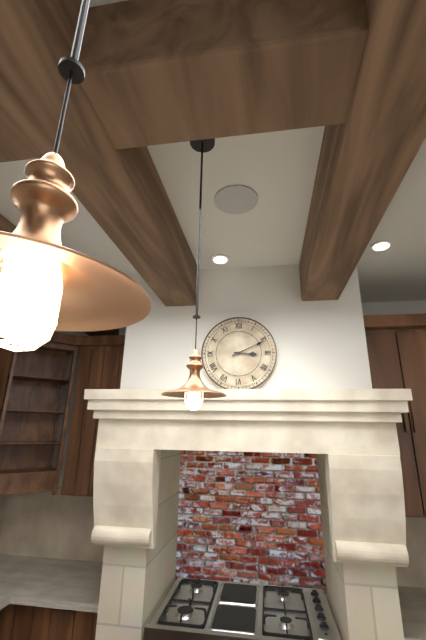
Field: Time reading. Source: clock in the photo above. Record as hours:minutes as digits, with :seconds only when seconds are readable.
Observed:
3:11
